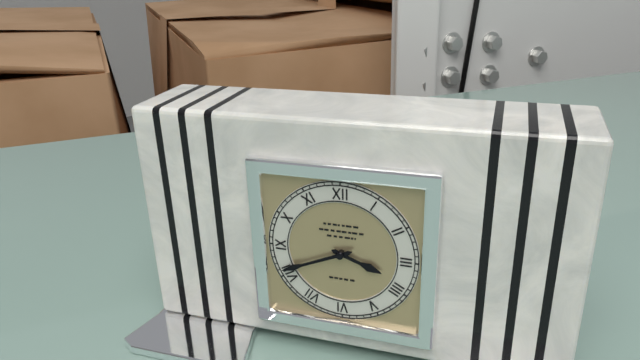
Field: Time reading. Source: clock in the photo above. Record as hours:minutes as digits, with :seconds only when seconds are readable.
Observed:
3:41
